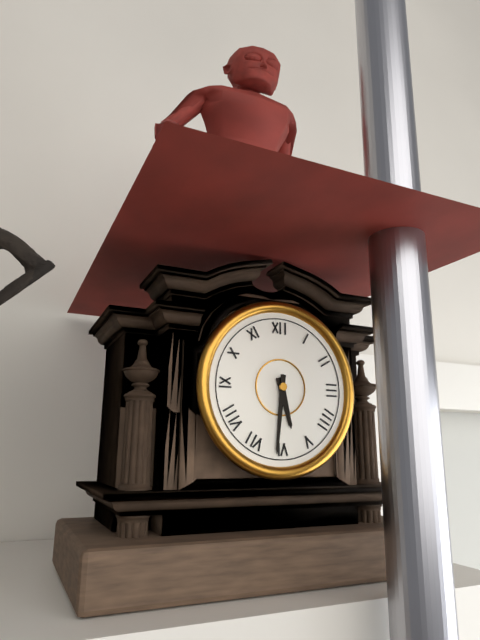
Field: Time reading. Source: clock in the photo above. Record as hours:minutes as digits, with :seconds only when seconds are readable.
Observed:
5:31
